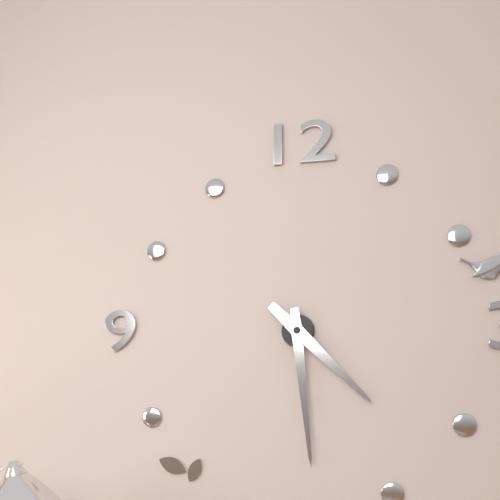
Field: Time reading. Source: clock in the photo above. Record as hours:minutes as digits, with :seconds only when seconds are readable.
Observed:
4:29
